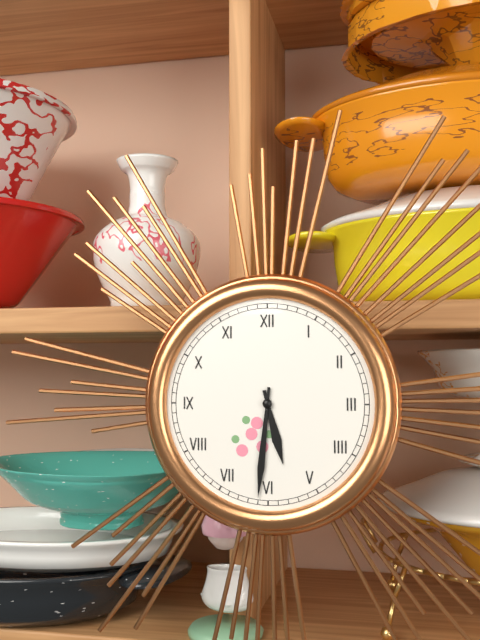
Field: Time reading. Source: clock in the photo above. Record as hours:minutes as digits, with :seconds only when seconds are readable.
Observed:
5:31
